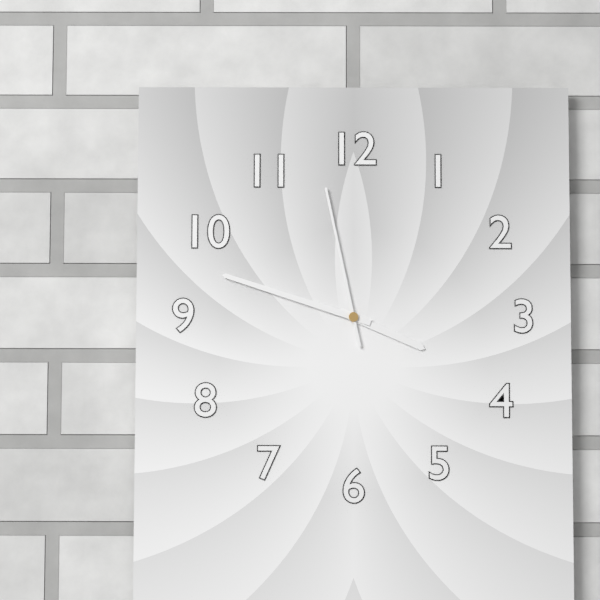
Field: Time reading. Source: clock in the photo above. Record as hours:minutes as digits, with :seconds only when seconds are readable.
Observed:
3:48:58
